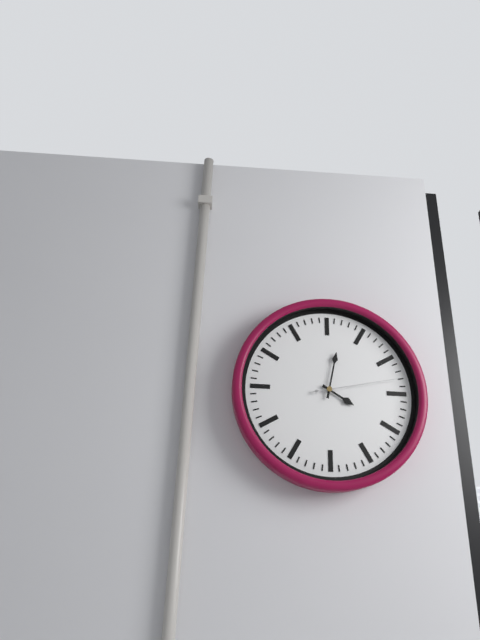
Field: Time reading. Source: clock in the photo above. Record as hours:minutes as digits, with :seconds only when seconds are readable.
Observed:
4:02:13
